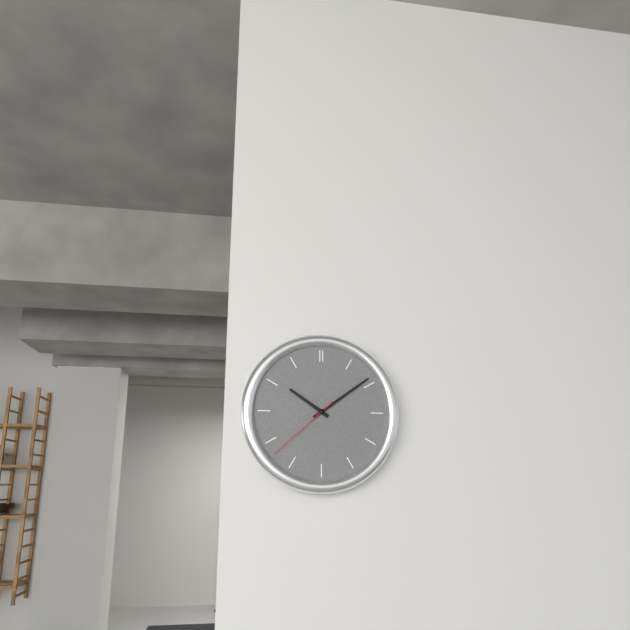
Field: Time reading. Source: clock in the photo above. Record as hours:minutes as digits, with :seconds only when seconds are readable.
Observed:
10:09:38
